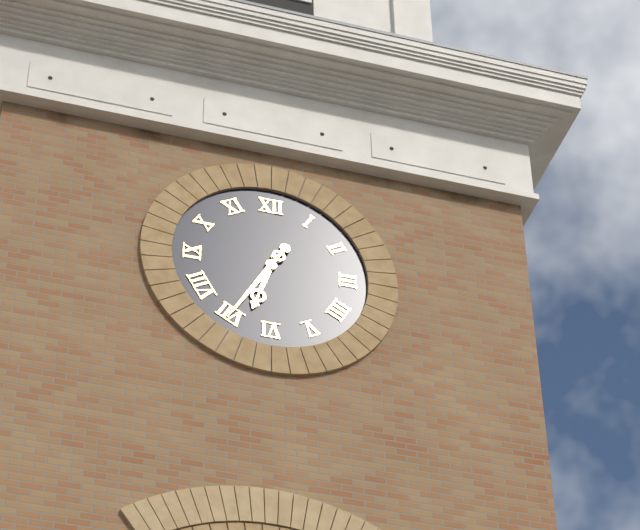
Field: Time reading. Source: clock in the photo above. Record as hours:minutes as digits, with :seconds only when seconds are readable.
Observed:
6:35
